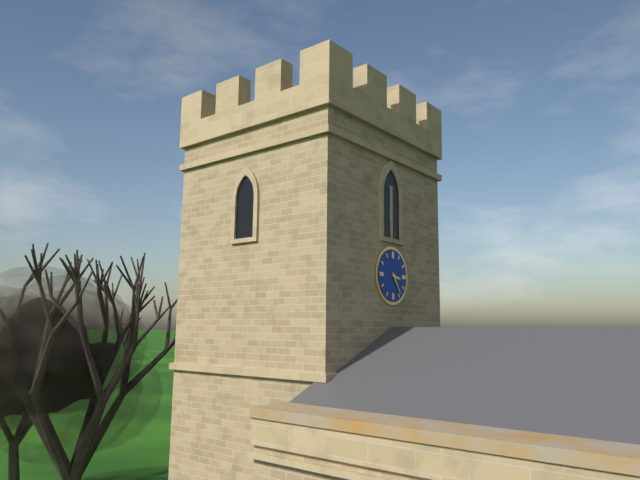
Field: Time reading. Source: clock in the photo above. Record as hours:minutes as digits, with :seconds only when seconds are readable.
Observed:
3:24
